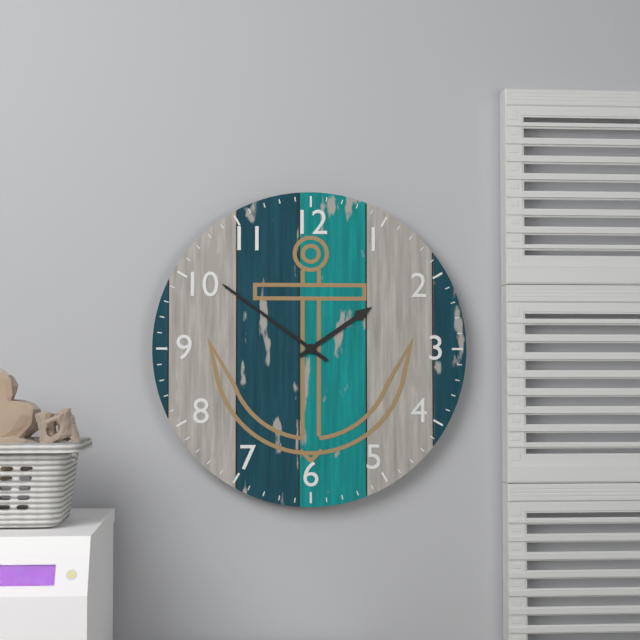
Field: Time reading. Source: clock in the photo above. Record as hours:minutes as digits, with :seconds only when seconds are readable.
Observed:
1:51
